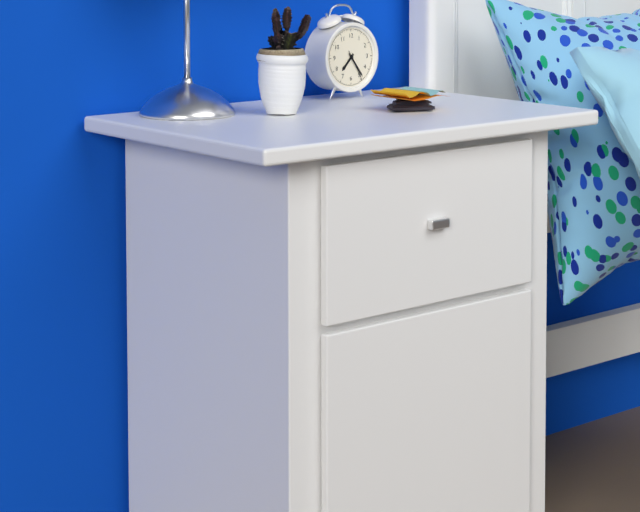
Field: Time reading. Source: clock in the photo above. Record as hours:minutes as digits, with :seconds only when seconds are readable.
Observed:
7:24
